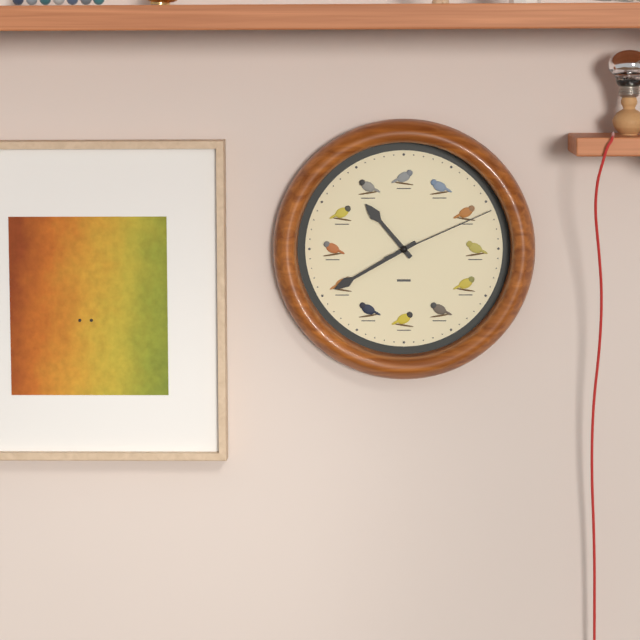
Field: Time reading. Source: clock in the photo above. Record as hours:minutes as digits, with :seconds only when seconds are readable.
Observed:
10:40:11
